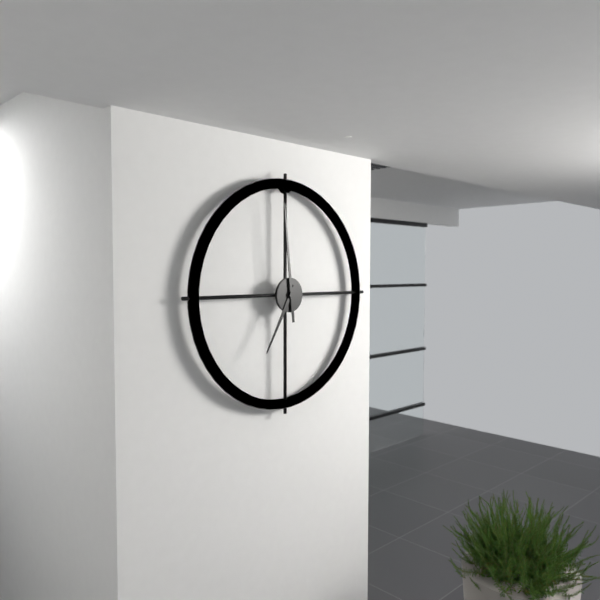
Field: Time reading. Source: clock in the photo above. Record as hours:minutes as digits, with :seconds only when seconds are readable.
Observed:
6:59
